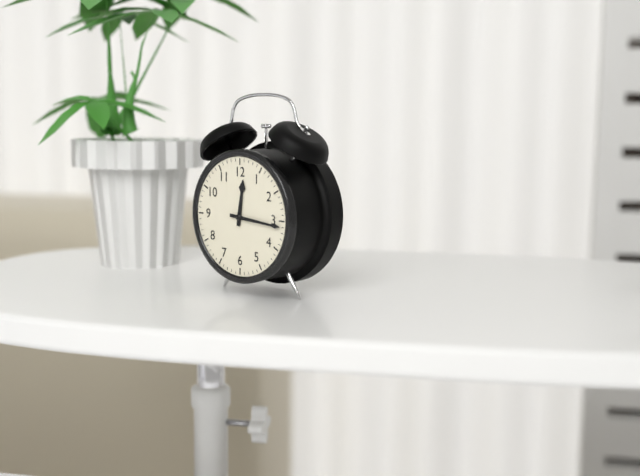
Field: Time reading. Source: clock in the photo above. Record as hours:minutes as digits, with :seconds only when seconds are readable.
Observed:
12:16
